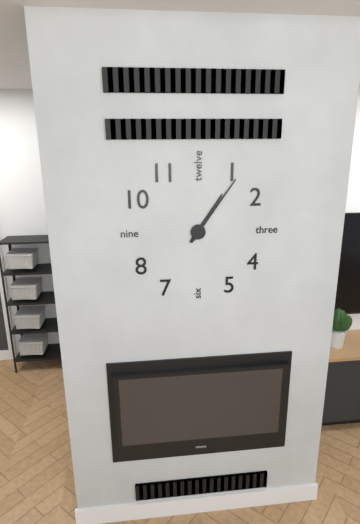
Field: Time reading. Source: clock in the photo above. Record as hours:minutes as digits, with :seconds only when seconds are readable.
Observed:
1:06
